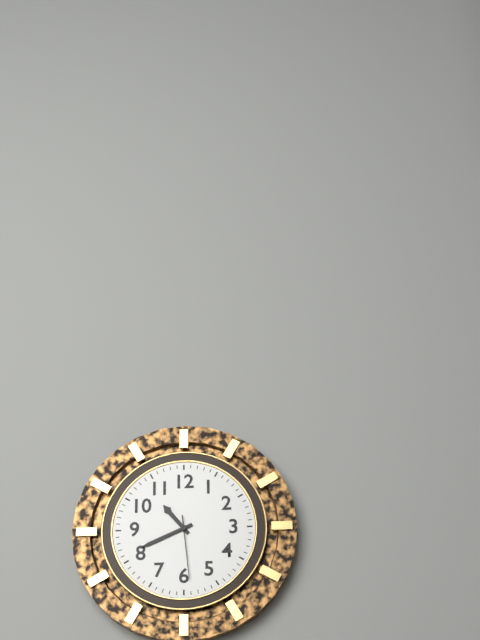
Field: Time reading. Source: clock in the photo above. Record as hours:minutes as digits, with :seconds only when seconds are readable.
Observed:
10:41:29
